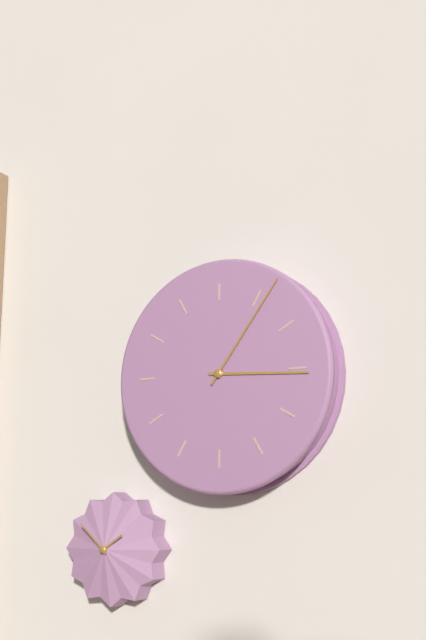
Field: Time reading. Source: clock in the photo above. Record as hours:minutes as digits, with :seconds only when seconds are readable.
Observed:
3:06
